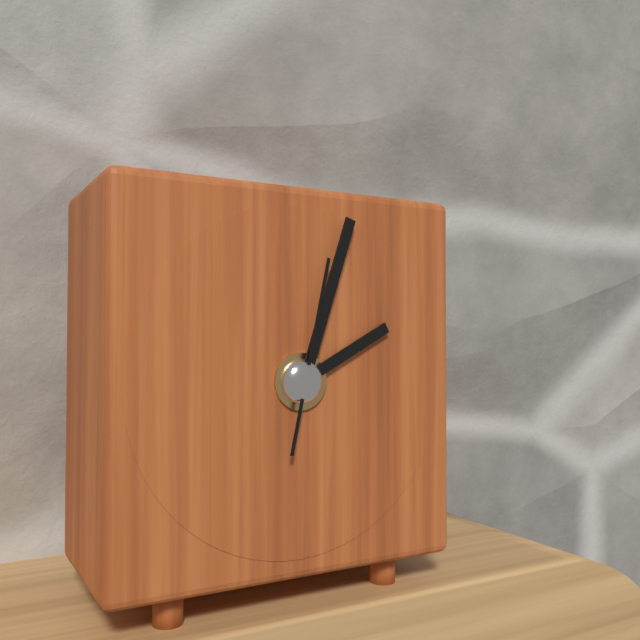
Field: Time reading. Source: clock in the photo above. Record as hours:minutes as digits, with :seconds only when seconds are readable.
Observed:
2:03:02
